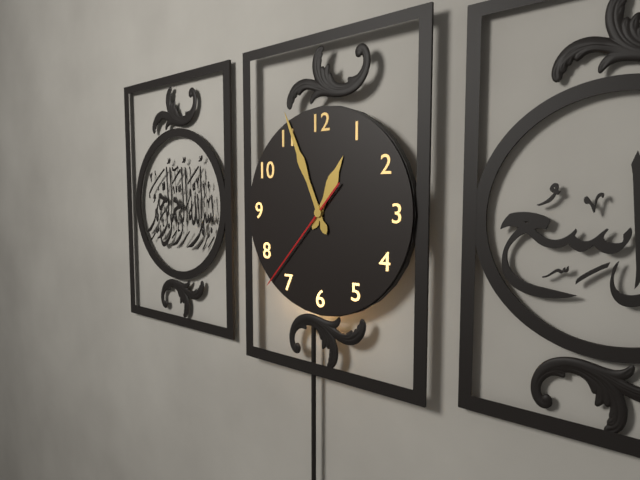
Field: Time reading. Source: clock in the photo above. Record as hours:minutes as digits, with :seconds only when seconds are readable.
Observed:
12:56:37
